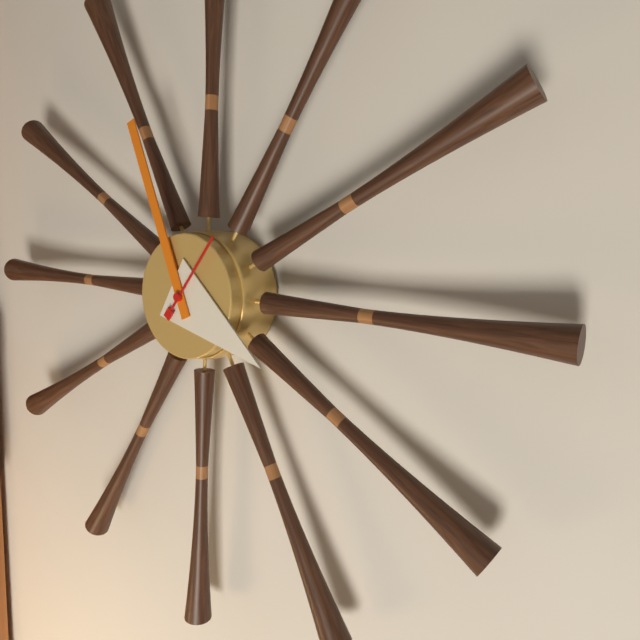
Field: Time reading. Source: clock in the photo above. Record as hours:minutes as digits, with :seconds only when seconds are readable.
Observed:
3:56:06
